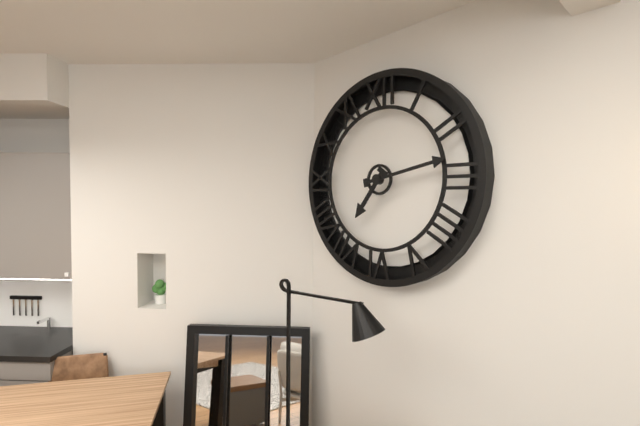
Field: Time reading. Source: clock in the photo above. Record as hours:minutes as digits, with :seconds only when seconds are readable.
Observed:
7:13
